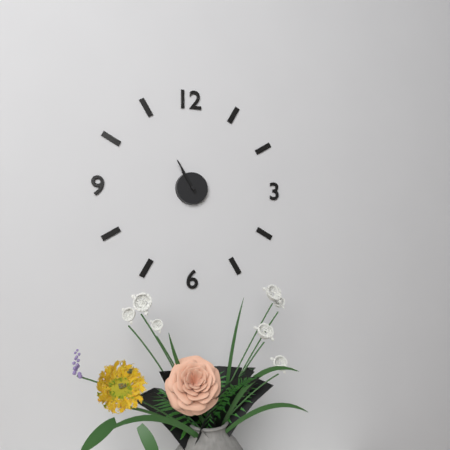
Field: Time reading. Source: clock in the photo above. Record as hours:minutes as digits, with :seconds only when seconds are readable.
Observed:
10:55
